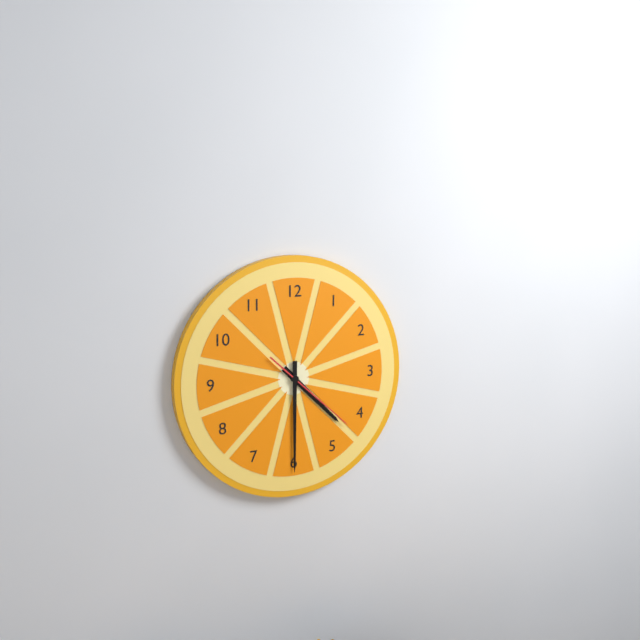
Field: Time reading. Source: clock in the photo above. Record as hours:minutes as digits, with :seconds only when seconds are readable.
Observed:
4:30:22
